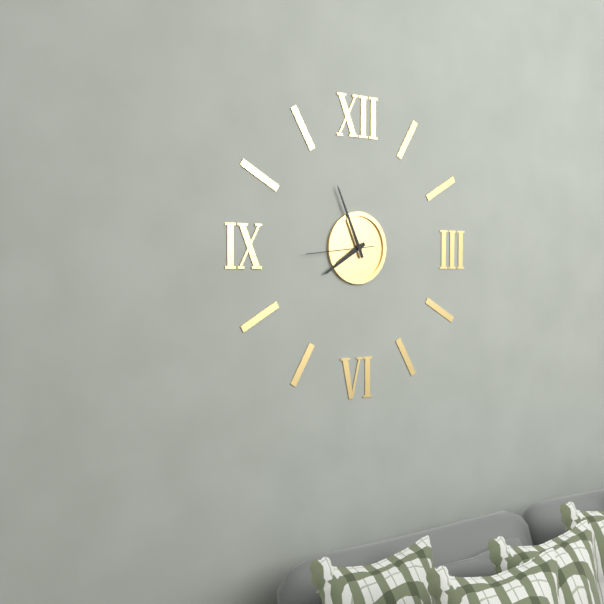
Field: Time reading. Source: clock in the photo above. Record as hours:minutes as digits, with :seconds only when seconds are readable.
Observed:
7:56:44
